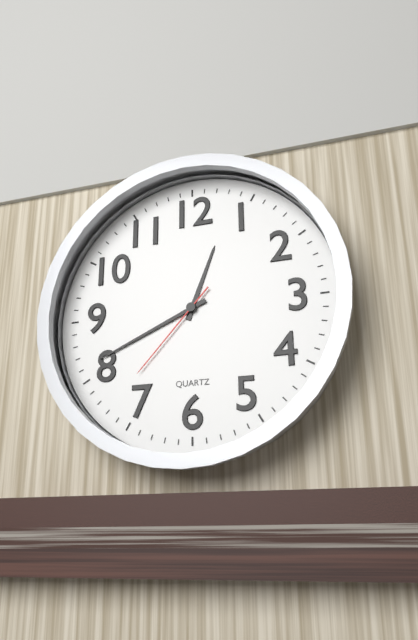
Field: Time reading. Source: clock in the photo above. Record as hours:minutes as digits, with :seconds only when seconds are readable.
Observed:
12:41:37
